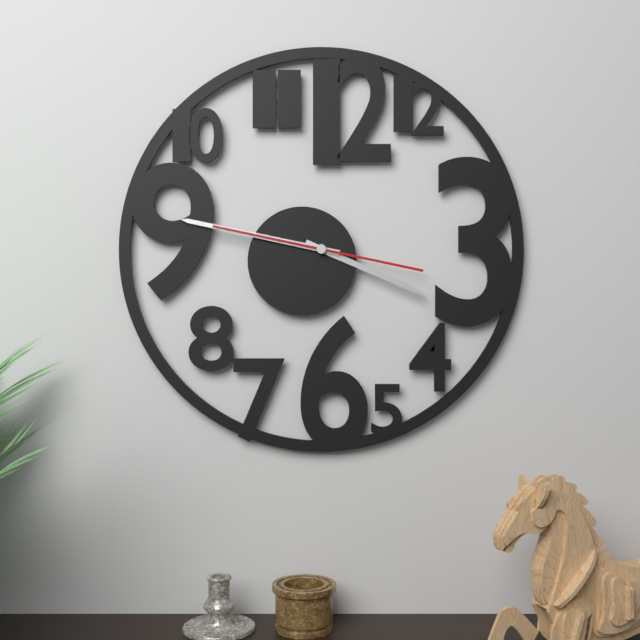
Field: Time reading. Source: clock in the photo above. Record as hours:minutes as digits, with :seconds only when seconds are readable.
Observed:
3:47:47
